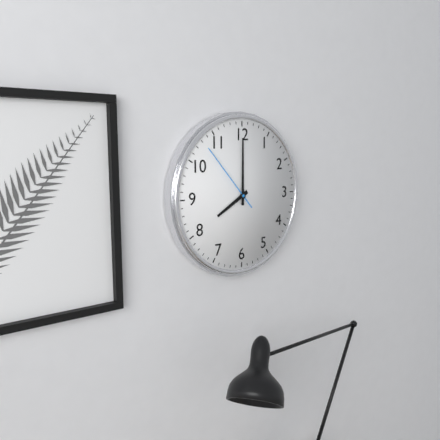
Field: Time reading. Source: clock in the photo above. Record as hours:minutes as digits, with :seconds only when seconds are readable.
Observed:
8:00:53
